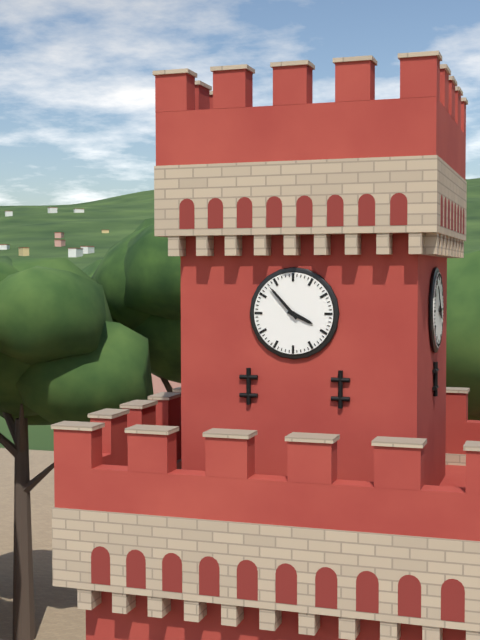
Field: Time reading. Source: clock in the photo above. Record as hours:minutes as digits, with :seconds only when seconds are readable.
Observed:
3:53
